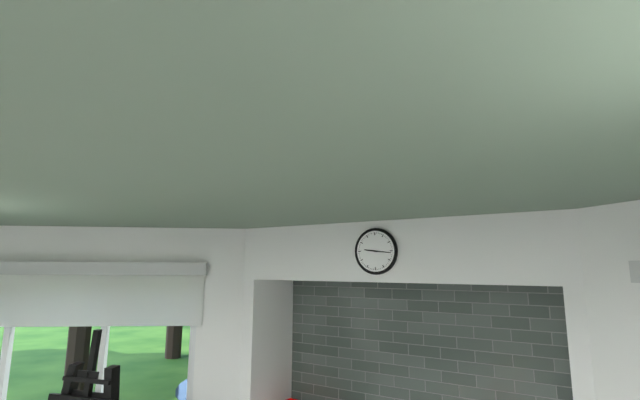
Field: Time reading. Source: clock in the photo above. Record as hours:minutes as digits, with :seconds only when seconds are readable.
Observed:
9:16
